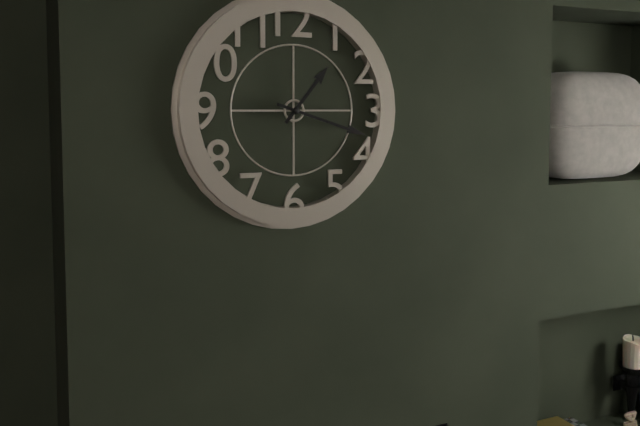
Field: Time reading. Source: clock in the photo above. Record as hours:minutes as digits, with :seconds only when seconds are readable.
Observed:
1:18
